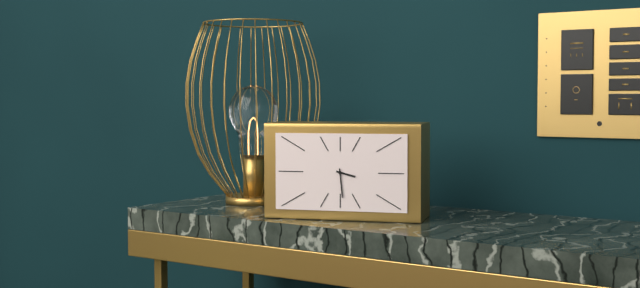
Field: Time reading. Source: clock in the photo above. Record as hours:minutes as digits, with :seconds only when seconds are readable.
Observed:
3:29
